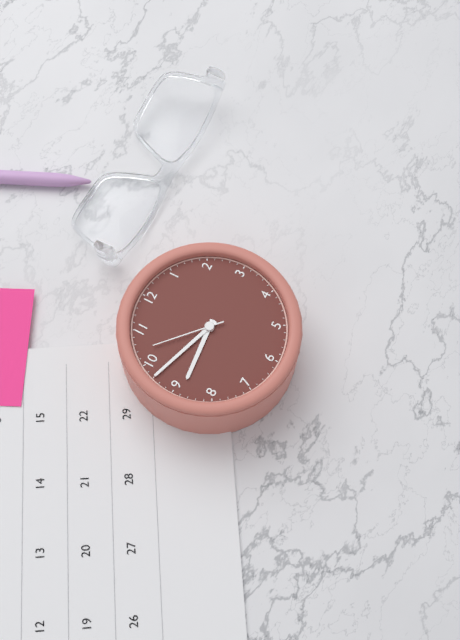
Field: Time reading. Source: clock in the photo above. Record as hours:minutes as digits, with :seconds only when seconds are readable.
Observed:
8:48:52
